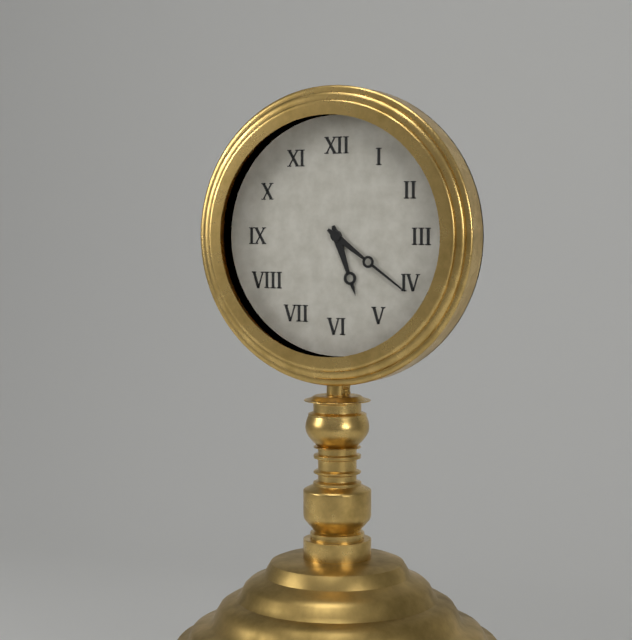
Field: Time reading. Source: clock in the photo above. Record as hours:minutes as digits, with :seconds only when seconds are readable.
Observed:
5:21
